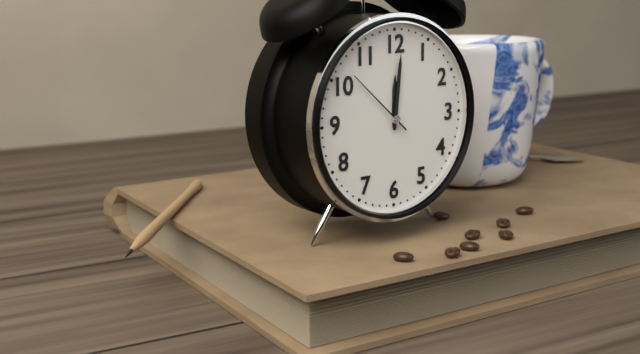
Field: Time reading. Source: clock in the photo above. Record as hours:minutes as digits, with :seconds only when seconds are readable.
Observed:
12:01:52
